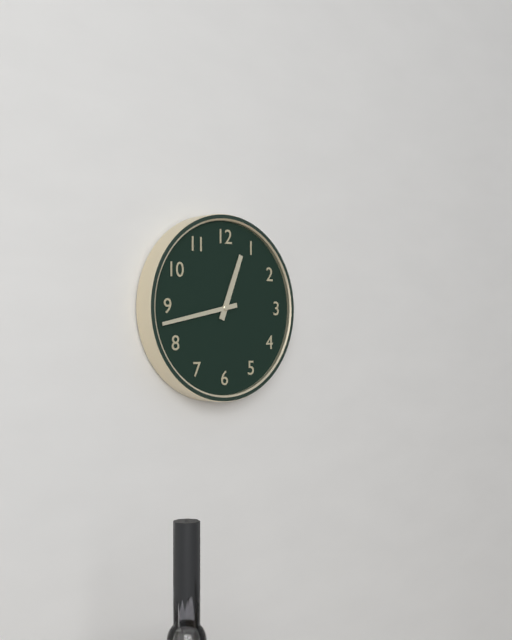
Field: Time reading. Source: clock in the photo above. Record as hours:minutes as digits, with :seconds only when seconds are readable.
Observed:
12:43
